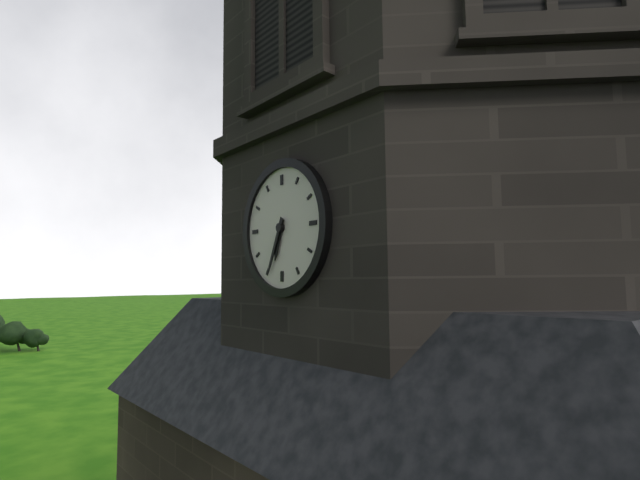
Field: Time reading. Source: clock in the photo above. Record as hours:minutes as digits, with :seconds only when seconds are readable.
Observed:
6:34
